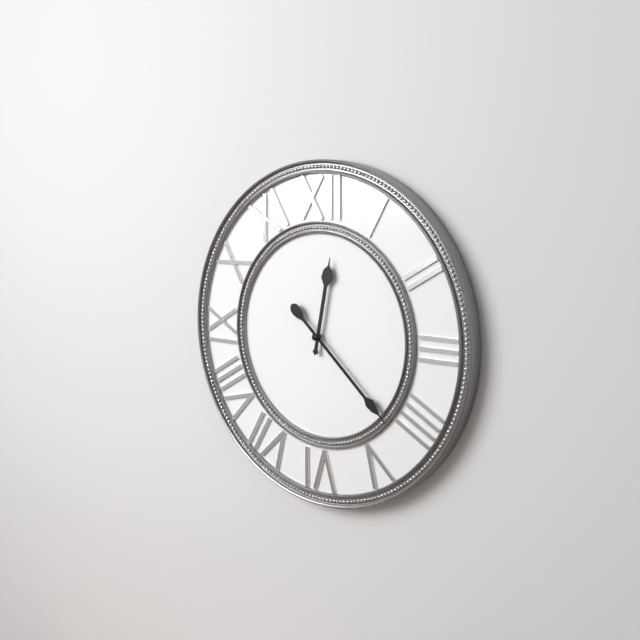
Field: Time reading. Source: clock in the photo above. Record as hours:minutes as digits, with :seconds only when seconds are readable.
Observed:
12:22
